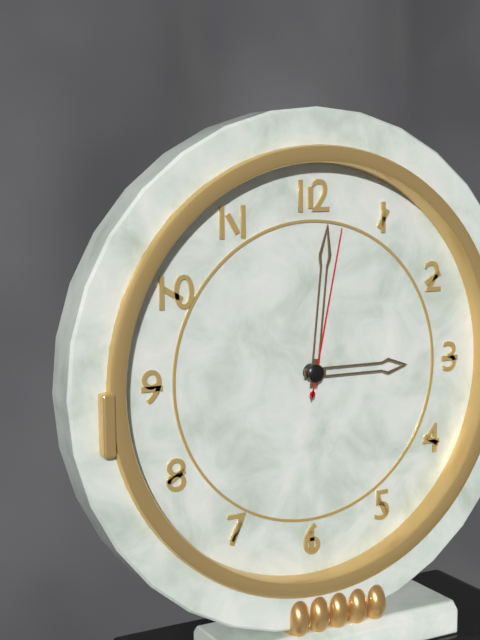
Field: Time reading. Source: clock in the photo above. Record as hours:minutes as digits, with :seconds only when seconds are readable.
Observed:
3:01:02
